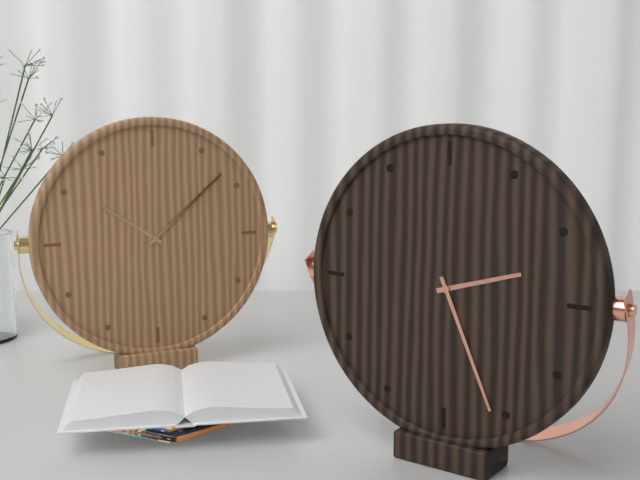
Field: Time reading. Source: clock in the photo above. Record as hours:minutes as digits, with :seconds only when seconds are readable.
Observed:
2:26
